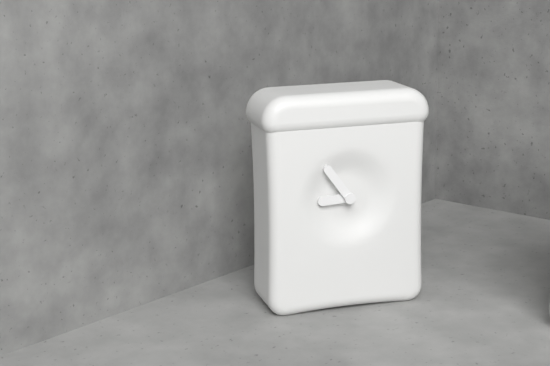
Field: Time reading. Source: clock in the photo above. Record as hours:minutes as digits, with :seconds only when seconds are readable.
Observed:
8:54
